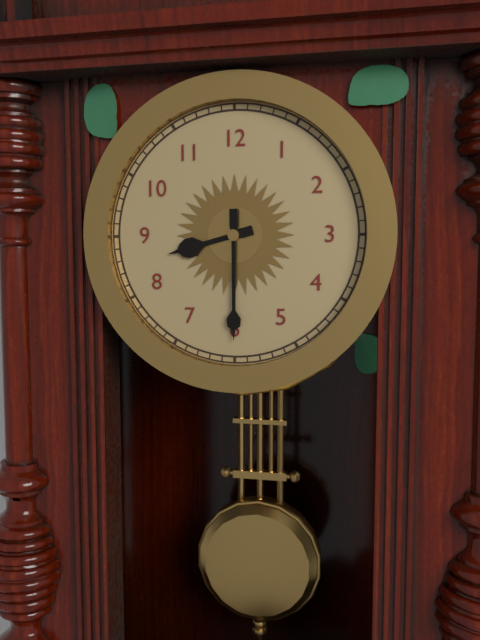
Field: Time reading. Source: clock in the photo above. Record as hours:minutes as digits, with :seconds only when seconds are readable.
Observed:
8:30
